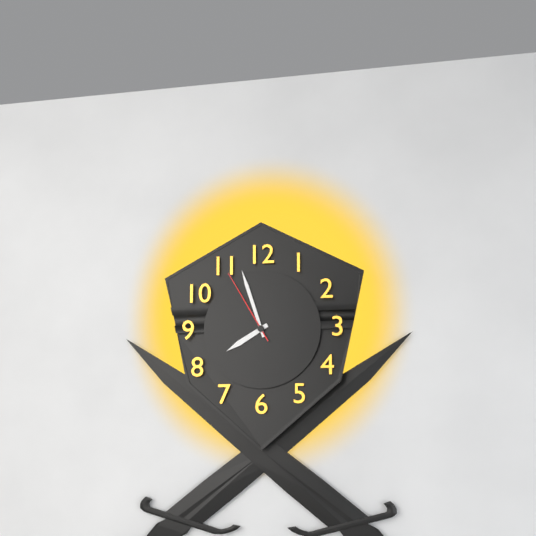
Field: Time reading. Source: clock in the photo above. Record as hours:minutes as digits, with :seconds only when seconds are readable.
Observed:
7:57:55
